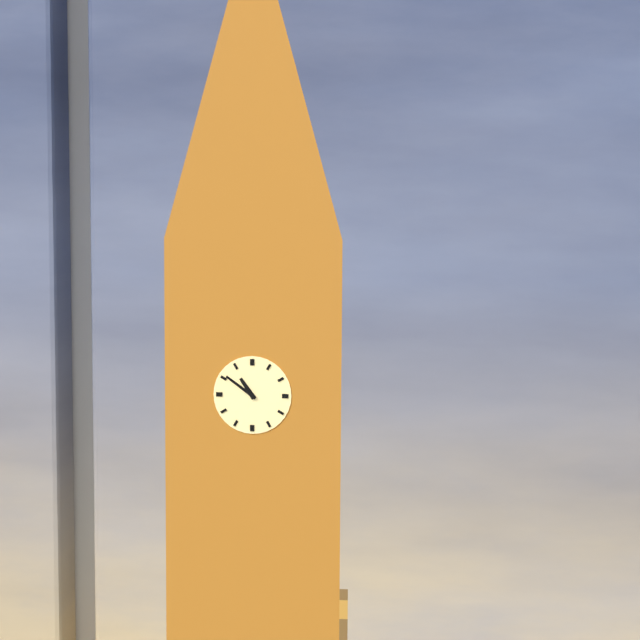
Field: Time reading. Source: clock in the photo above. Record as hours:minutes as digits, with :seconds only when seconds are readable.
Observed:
10:51
